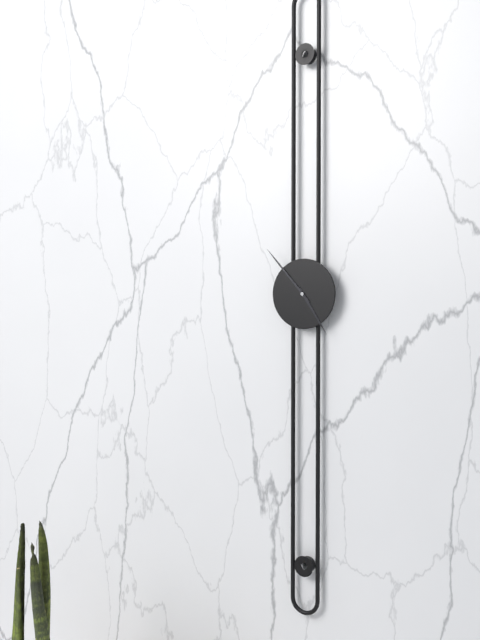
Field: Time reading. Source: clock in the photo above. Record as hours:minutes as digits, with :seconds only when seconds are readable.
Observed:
4:53
